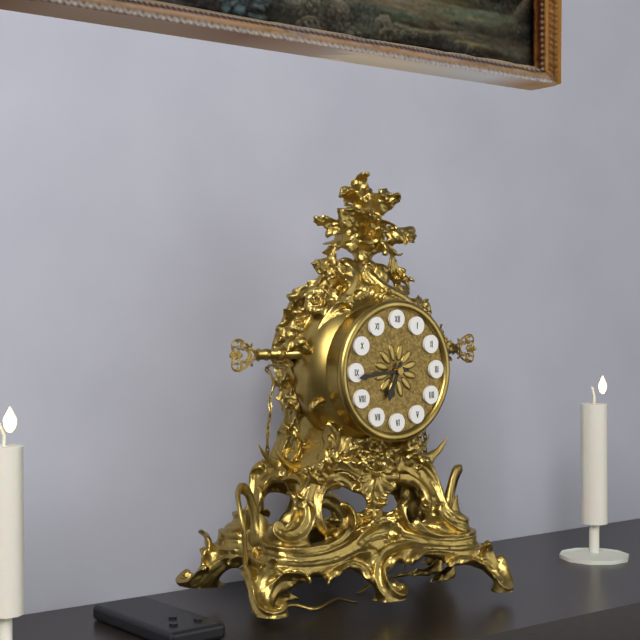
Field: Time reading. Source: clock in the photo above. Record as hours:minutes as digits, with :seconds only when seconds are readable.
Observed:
6:44
